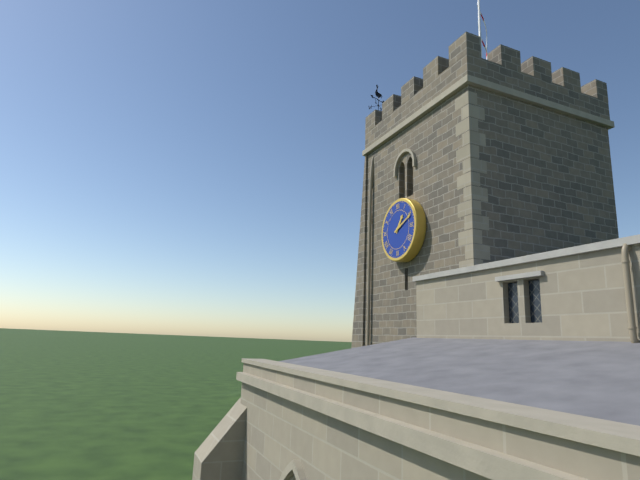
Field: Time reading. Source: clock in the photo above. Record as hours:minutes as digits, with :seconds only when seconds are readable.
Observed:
1:11
